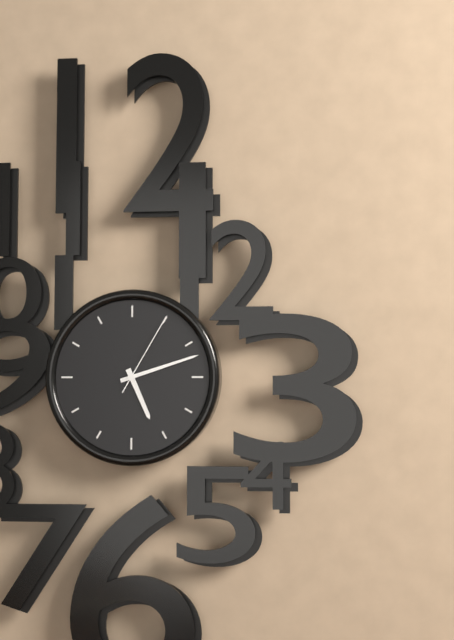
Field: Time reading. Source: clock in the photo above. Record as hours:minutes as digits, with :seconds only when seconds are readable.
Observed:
5:12:05
